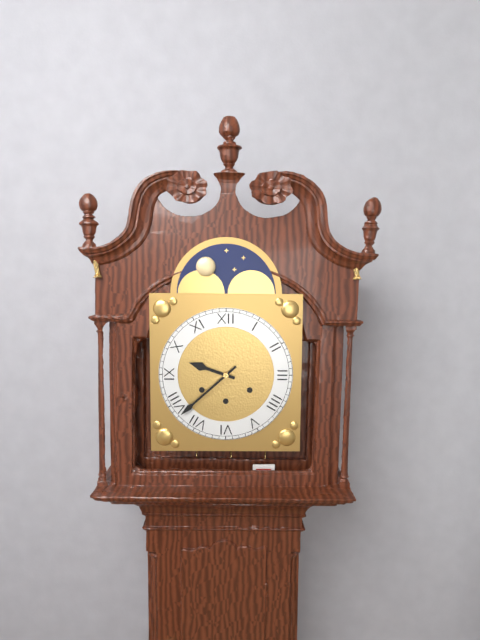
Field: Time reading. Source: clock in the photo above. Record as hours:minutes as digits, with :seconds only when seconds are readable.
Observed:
9:38
